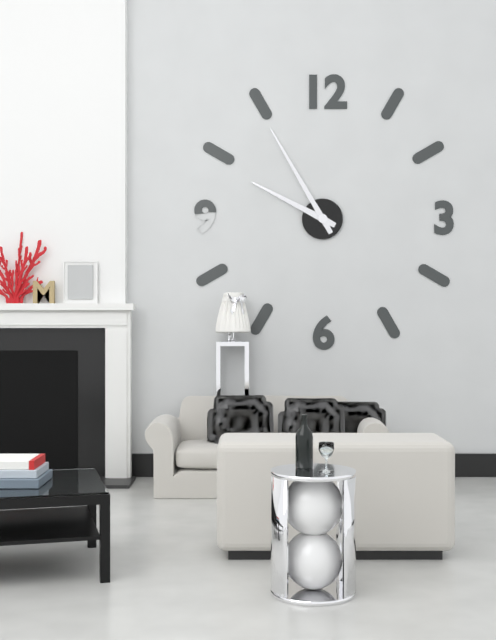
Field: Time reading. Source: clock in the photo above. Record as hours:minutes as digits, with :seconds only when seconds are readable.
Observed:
9:55
